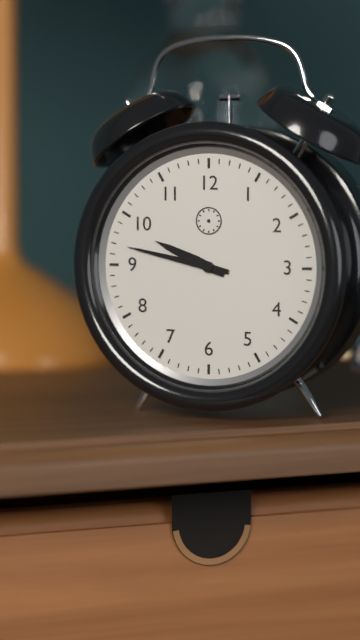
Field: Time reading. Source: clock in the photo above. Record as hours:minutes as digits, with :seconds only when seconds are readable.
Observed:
9:47
